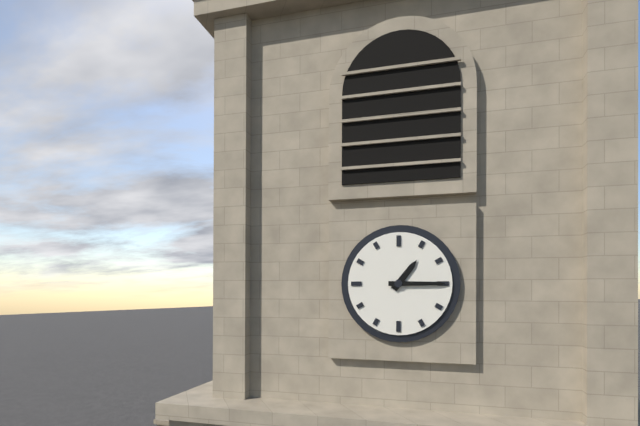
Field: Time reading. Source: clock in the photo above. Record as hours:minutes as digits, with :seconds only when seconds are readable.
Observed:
1:15
